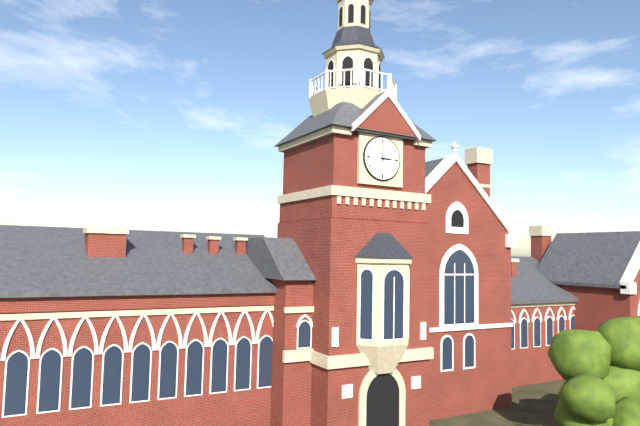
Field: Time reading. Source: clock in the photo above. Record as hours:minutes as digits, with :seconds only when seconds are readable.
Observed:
3:00
